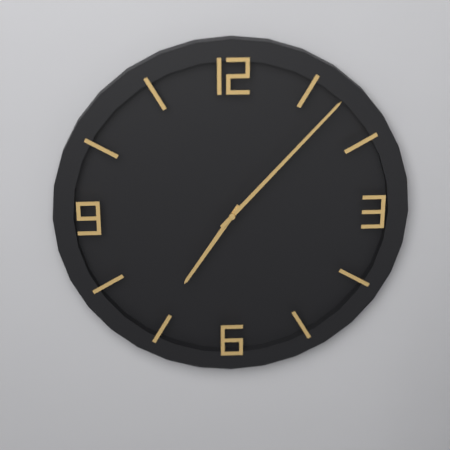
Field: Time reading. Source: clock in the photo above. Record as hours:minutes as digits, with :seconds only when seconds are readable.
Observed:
7:07
